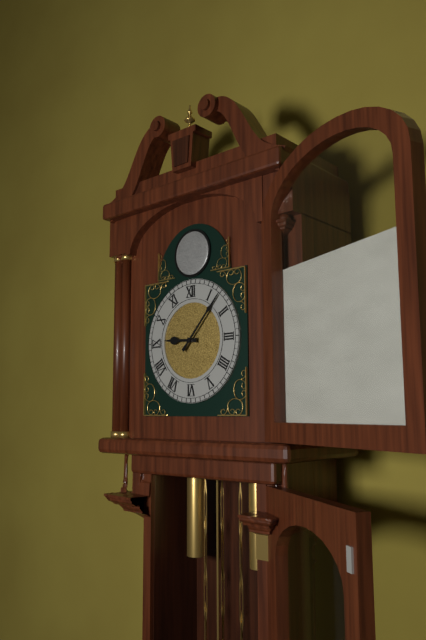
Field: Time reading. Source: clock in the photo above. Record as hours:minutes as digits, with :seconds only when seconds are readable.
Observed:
9:07
